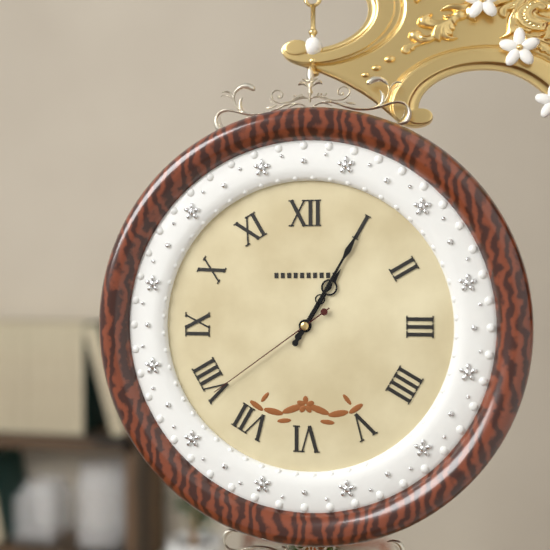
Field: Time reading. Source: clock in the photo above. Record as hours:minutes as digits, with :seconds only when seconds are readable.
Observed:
1:05:39
